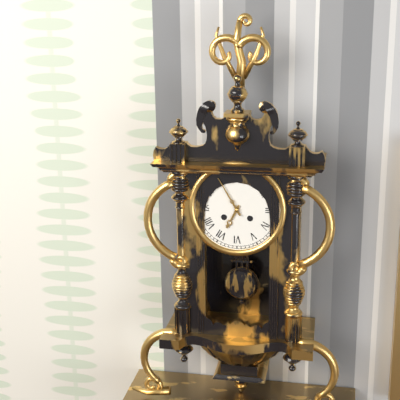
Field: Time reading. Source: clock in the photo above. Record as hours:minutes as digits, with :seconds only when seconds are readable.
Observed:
6:55
